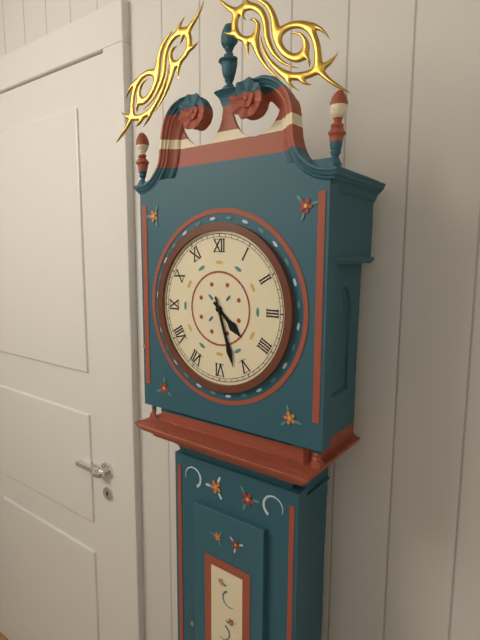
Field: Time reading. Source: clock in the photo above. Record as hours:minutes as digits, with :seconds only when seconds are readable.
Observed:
4:27
